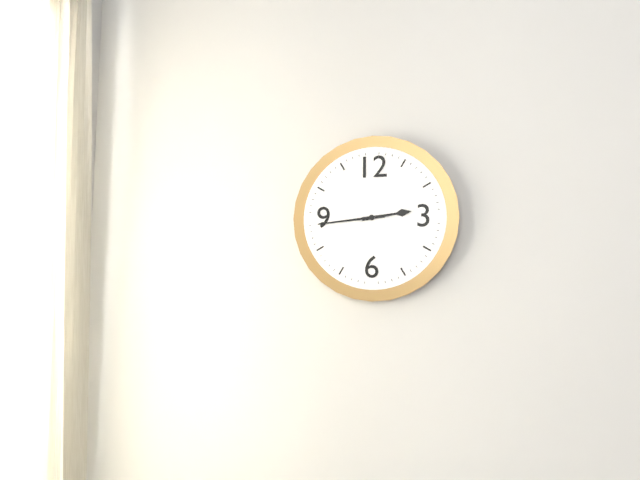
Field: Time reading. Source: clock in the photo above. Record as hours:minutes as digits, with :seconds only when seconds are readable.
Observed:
2:44
